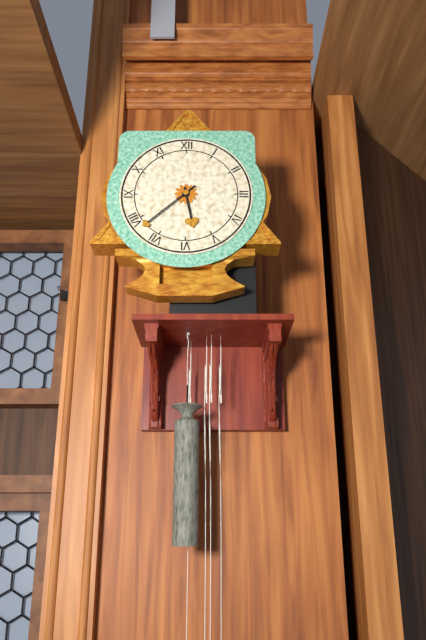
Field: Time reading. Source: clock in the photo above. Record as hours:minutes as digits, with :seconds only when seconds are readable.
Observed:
5:38
